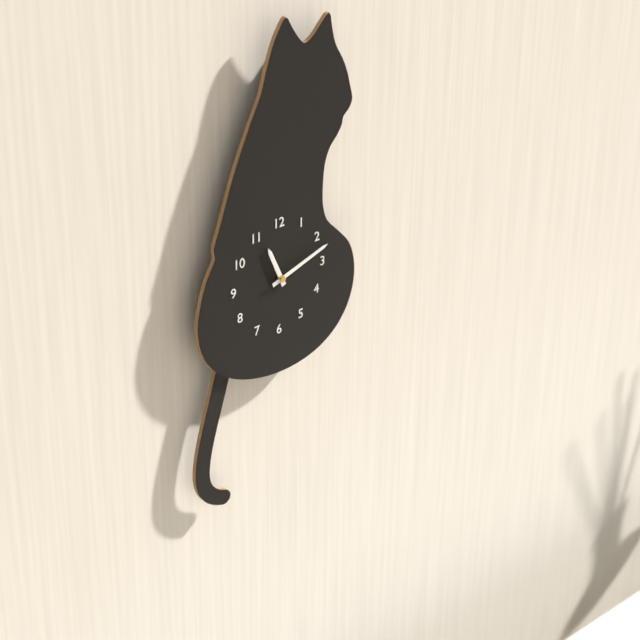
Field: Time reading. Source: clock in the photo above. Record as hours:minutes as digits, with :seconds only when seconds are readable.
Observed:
11:12
